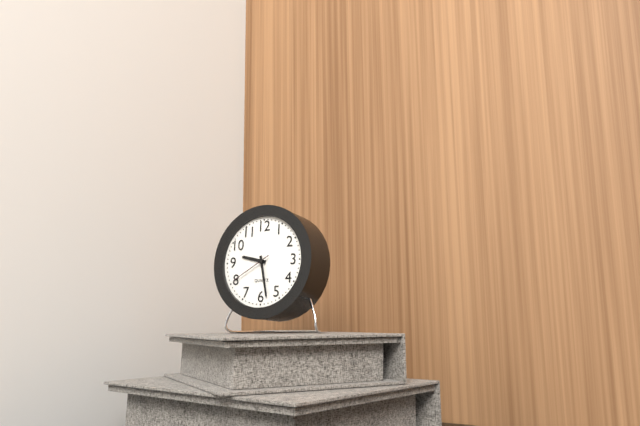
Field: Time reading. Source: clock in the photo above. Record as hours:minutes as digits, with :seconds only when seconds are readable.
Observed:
9:28
